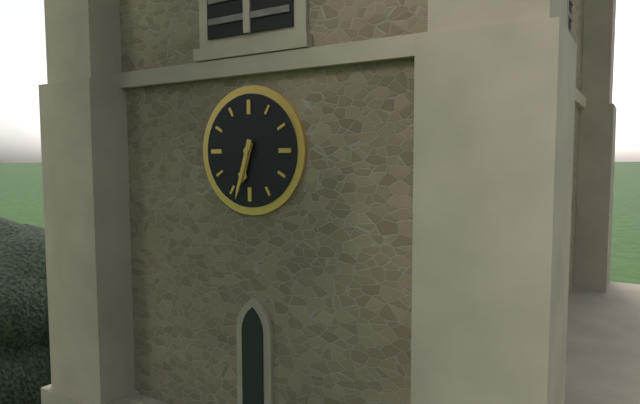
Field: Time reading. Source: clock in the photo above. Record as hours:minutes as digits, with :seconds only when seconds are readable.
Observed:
6:33
